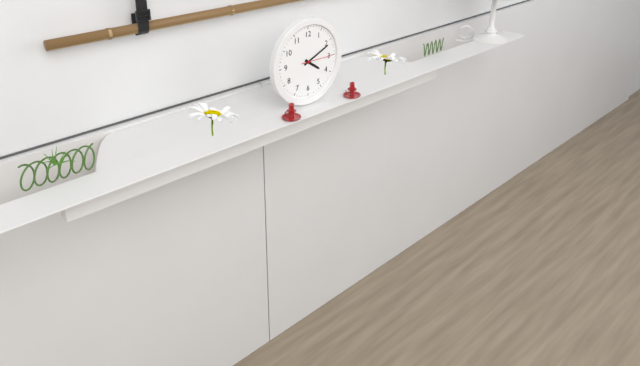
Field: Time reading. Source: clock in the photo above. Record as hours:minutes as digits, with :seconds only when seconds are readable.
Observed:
4:11
